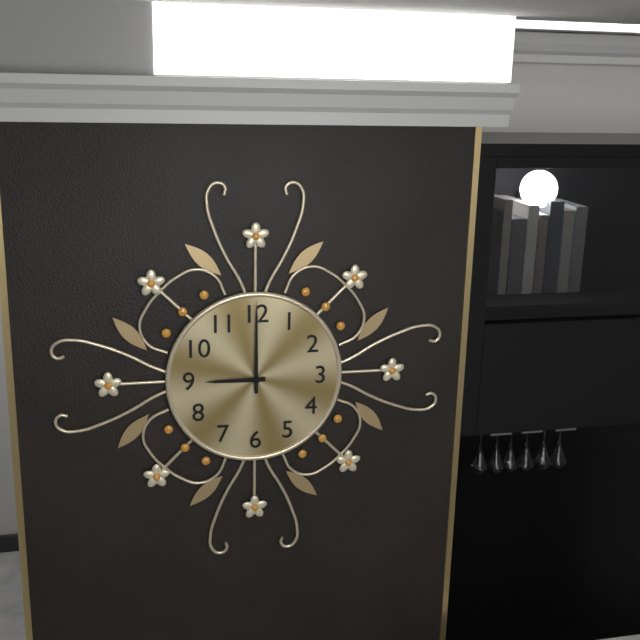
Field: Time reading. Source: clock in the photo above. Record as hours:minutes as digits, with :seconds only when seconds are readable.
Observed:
9:00
